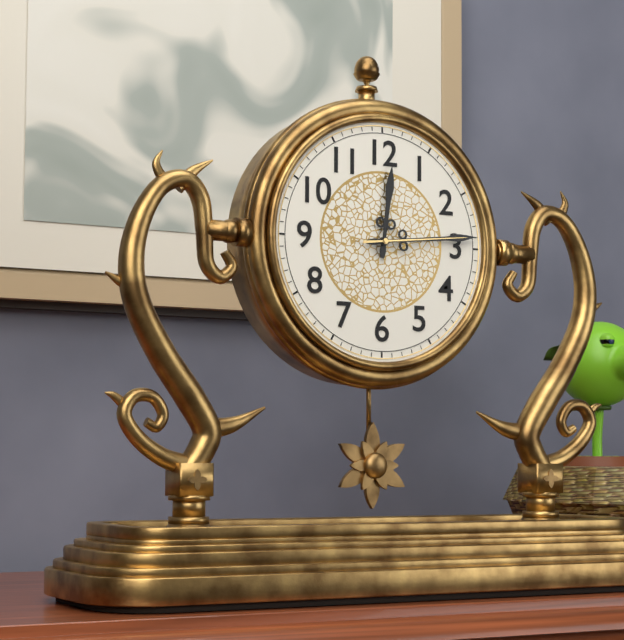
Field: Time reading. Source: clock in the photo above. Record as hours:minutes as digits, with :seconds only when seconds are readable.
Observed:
12:14:14
